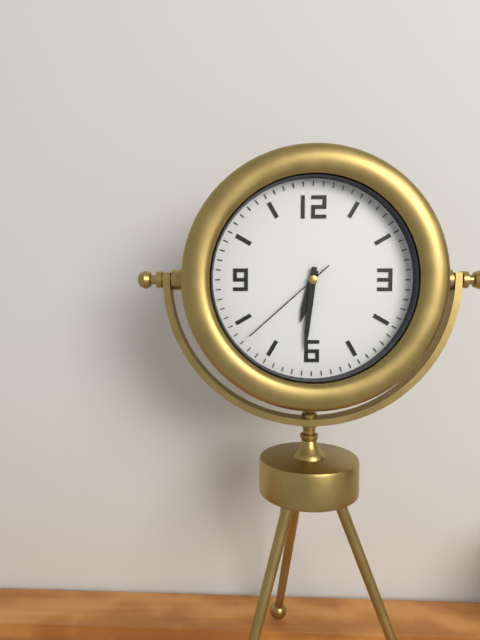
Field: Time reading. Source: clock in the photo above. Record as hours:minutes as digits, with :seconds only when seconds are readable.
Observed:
6:31:38
